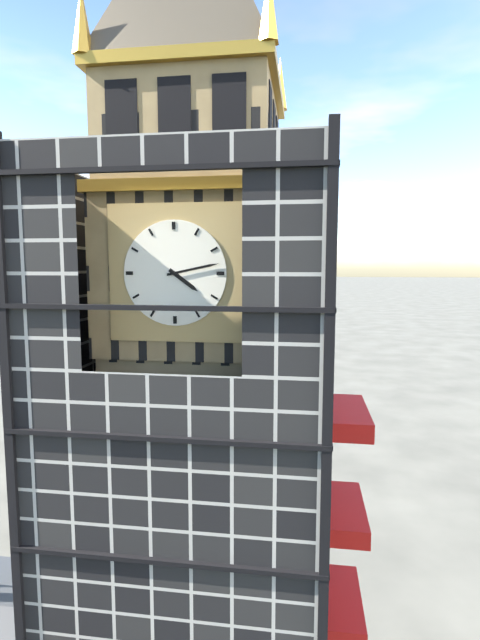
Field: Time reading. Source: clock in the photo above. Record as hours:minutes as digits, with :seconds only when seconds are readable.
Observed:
4:13
